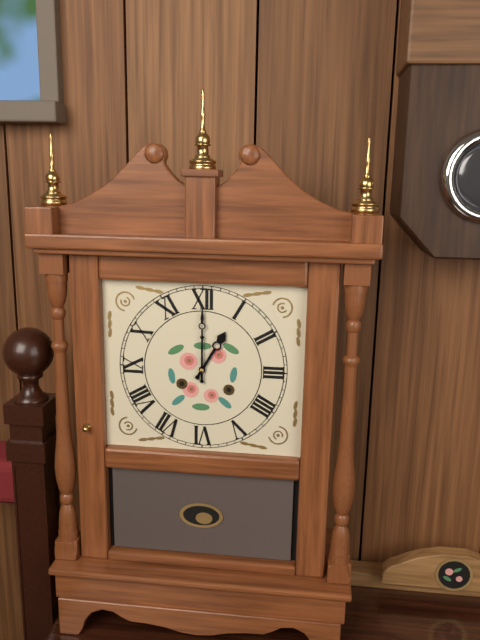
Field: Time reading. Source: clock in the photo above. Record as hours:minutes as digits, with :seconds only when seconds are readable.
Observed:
1:00
